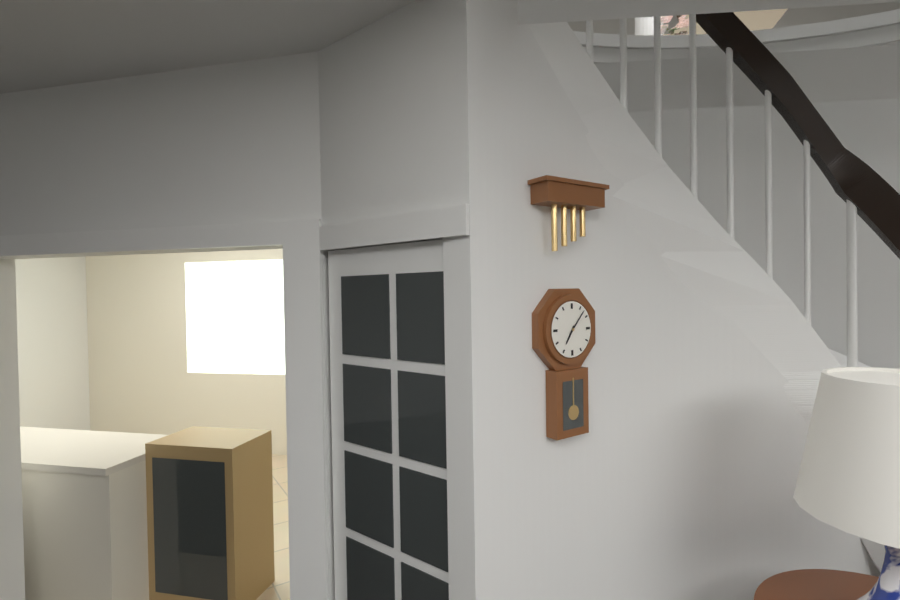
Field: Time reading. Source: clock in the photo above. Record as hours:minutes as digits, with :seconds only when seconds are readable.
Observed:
7:07
